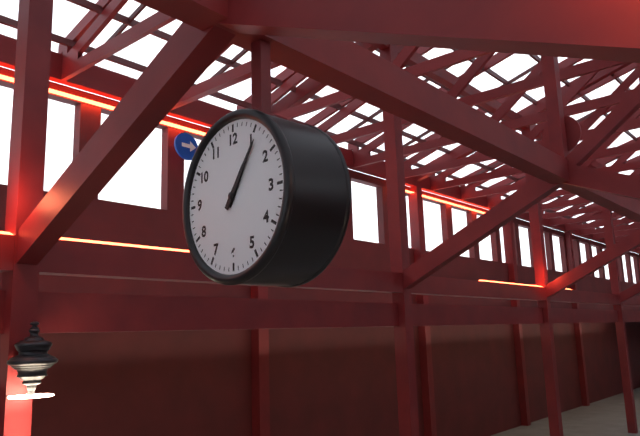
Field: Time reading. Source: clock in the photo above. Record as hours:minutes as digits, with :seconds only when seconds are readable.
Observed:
1:06
